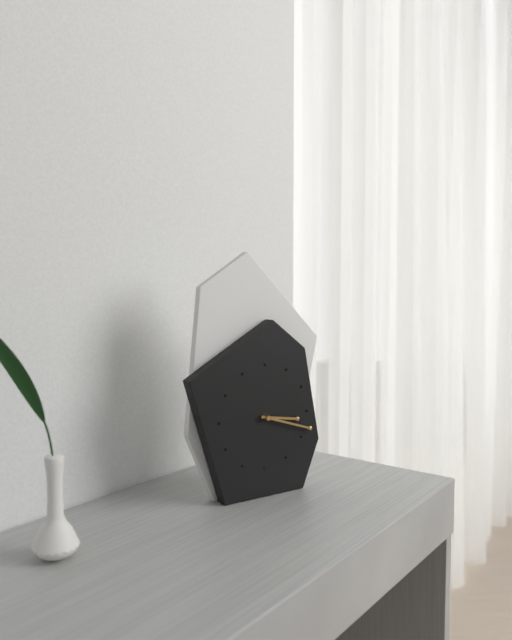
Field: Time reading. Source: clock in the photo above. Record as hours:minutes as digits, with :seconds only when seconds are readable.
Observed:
3:18
